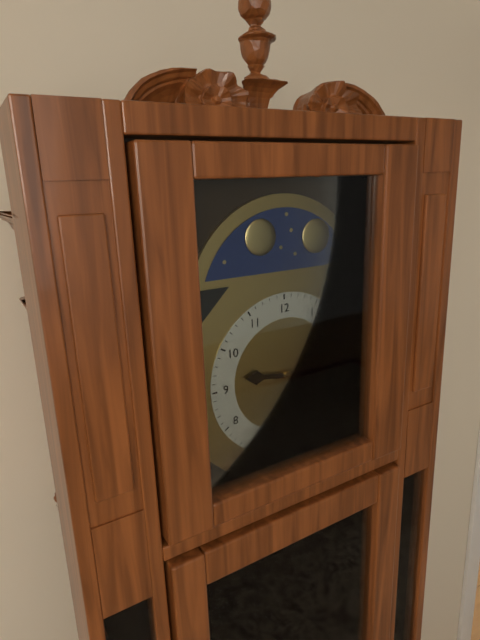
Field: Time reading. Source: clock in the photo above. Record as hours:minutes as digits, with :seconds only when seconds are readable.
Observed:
9:16
